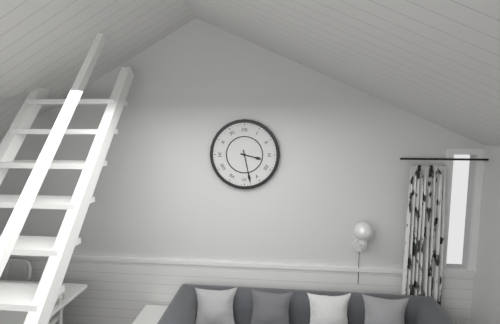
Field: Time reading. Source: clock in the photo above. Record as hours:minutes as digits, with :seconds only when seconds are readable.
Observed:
3:28
